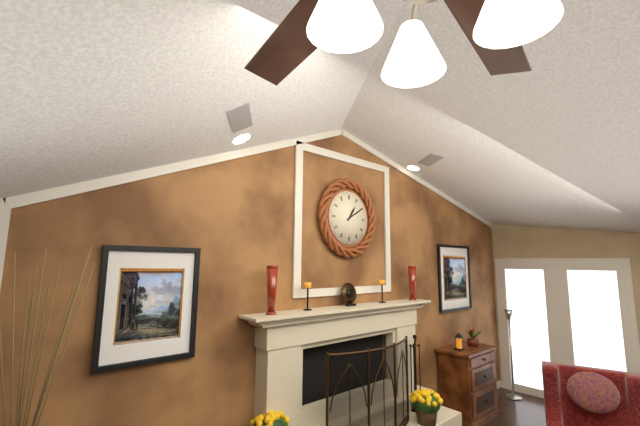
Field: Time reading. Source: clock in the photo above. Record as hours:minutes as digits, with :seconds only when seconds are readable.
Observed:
1:10
